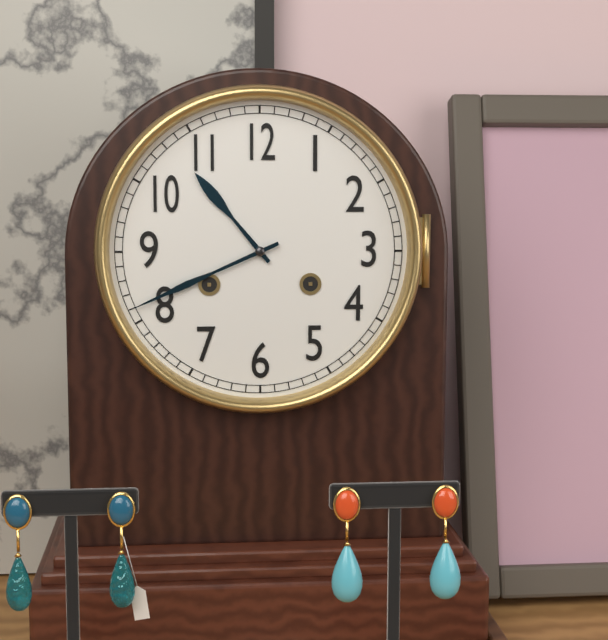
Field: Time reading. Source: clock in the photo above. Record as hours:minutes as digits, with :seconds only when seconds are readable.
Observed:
10:41
